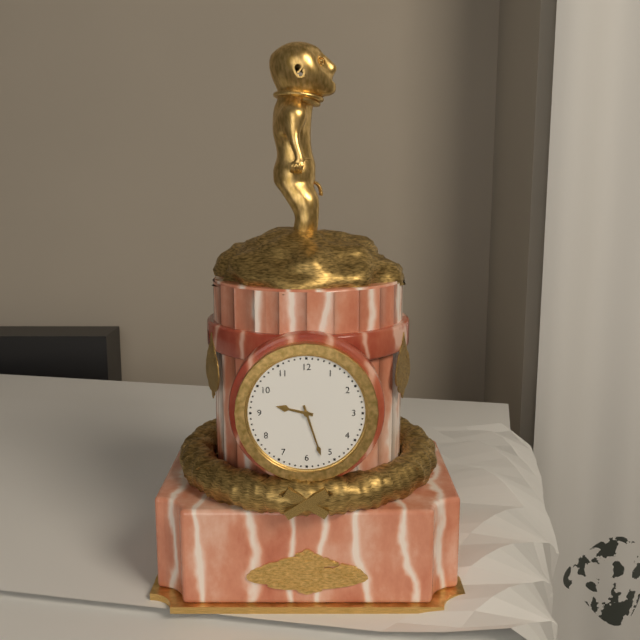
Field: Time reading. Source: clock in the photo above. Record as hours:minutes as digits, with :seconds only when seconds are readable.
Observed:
9:27
